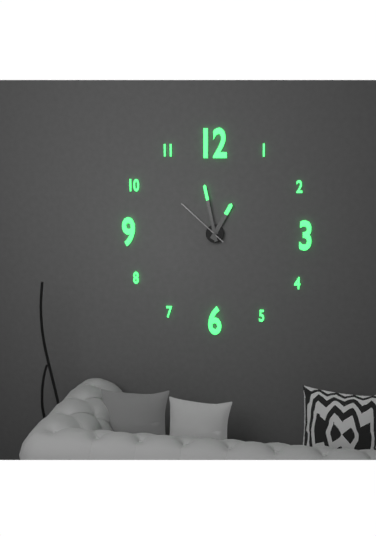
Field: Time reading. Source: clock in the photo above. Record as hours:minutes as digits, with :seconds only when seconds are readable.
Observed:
12:58:52
